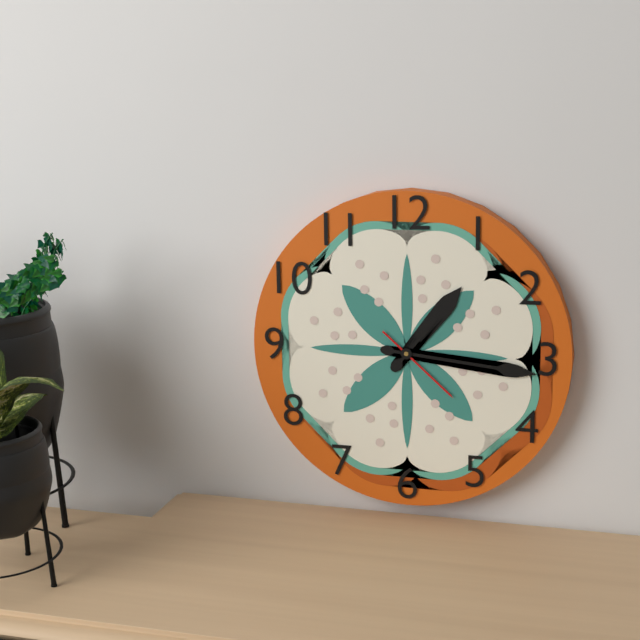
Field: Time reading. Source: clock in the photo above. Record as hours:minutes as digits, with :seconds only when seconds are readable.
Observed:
1:16:22
